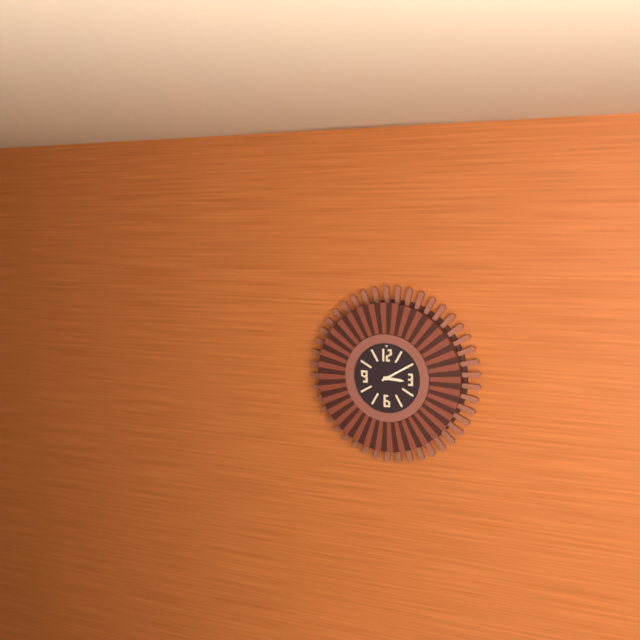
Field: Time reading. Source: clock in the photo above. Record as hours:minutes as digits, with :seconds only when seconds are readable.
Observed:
3:10
